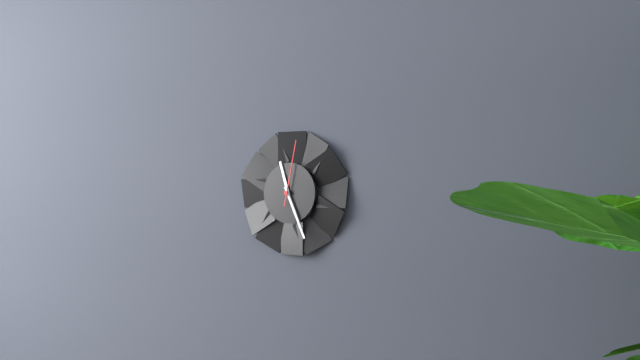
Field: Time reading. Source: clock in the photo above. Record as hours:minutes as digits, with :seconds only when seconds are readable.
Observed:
11:26:02
